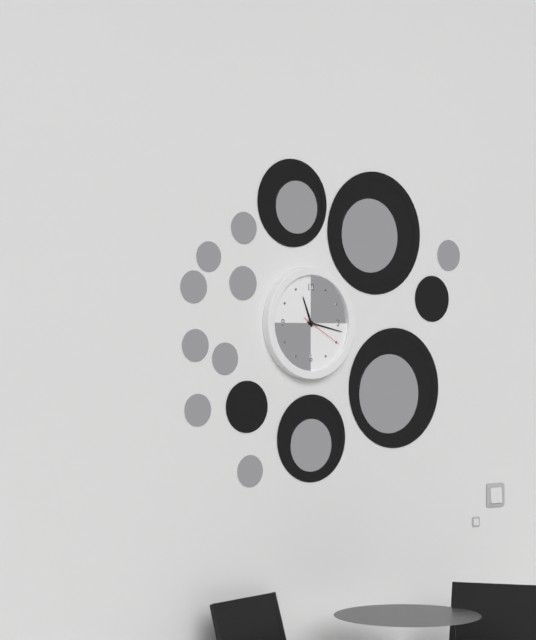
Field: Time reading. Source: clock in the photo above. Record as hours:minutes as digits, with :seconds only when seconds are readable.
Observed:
11:17
